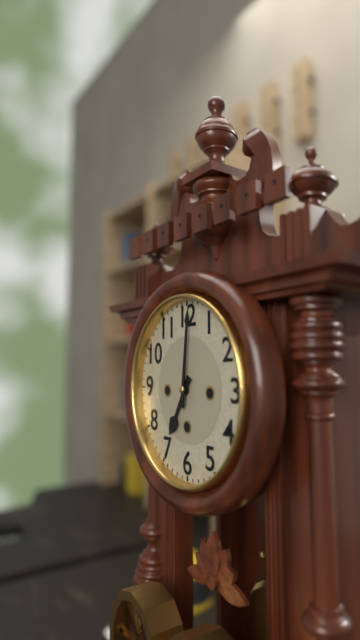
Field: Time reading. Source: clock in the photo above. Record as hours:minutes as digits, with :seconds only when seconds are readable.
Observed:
7:01
